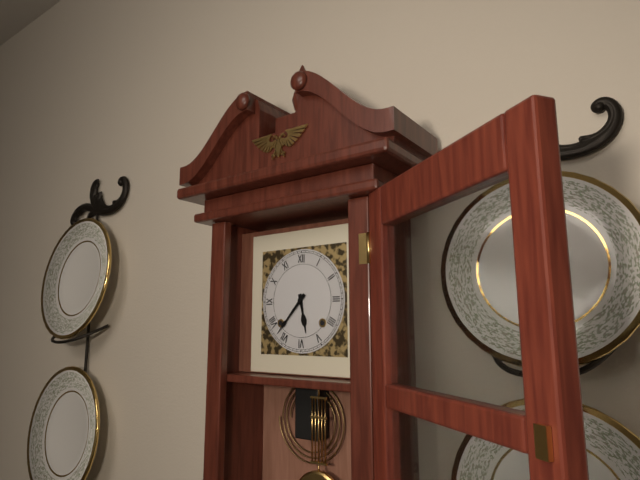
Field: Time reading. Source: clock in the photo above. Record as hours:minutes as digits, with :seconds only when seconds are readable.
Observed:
5:37
